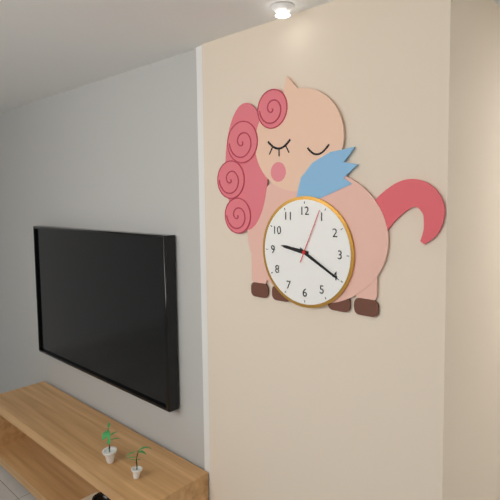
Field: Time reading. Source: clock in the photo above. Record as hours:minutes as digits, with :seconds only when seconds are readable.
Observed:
9:20:04
